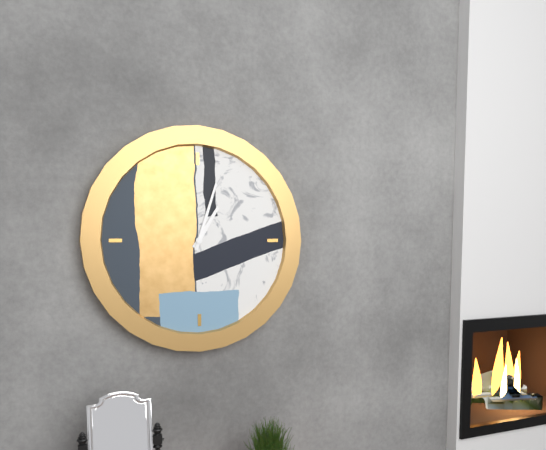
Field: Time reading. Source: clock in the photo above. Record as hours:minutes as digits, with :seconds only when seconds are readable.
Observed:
1:03
